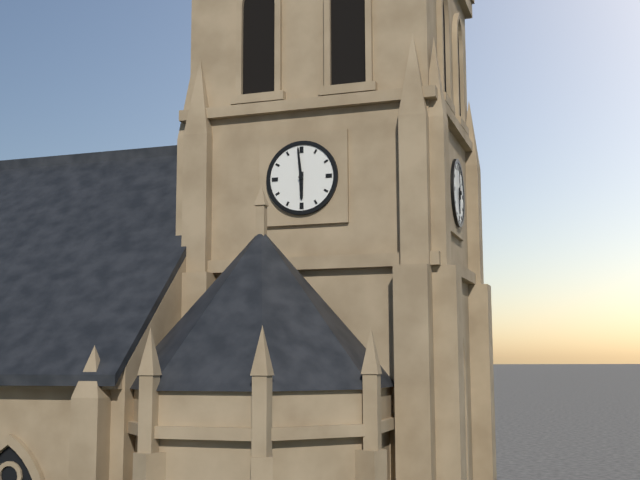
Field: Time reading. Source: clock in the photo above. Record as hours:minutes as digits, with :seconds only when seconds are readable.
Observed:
5:59
